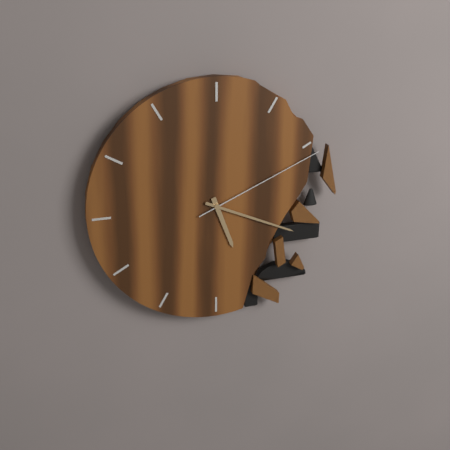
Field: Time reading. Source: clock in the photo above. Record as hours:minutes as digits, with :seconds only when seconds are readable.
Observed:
5:19:11
